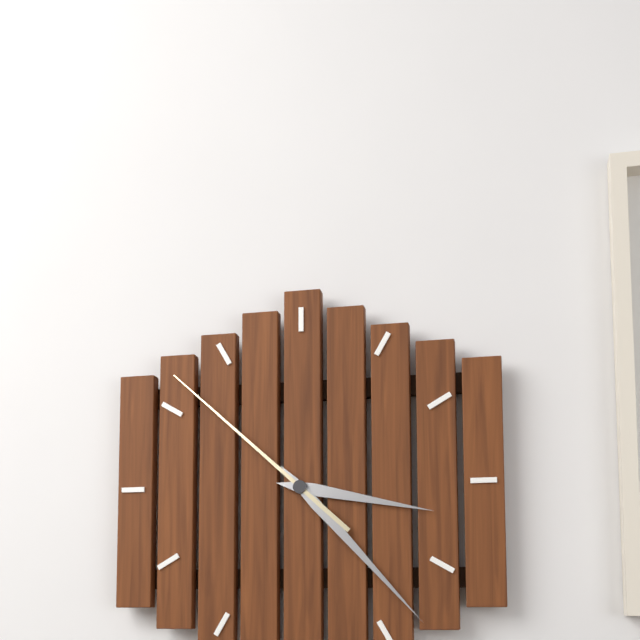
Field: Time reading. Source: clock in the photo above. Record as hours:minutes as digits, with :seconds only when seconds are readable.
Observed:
3:23:52
